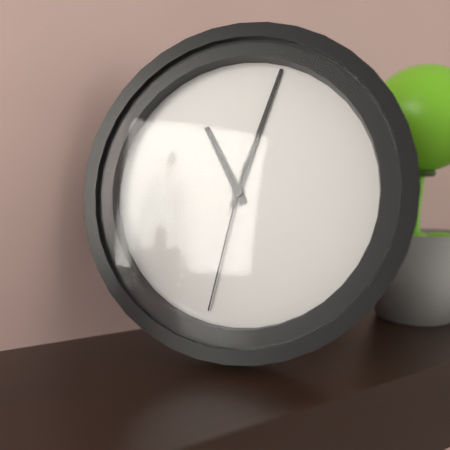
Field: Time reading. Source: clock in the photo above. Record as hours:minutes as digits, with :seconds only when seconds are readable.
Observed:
11:03:32
